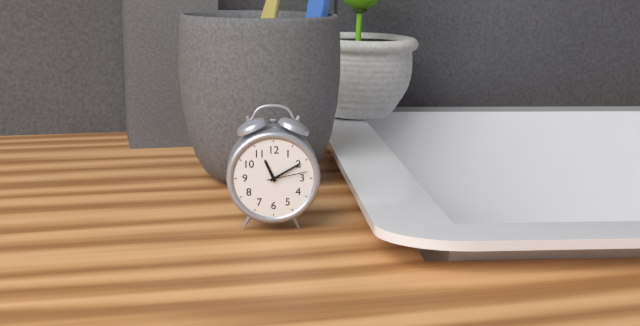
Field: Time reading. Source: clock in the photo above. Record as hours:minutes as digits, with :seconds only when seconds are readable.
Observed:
11:10
